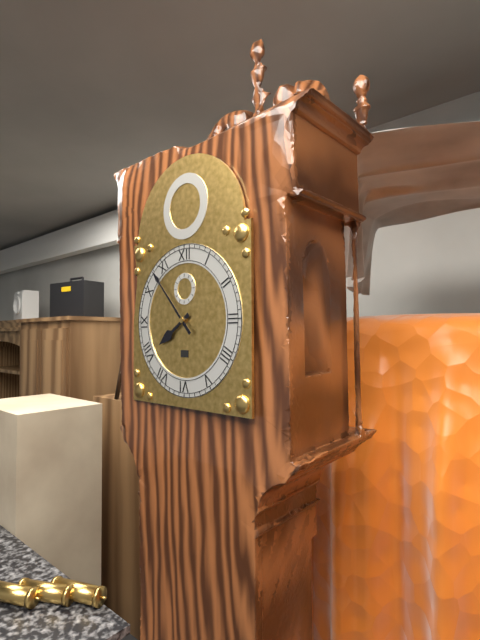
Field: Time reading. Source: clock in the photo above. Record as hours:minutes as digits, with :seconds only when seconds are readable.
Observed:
7:53
